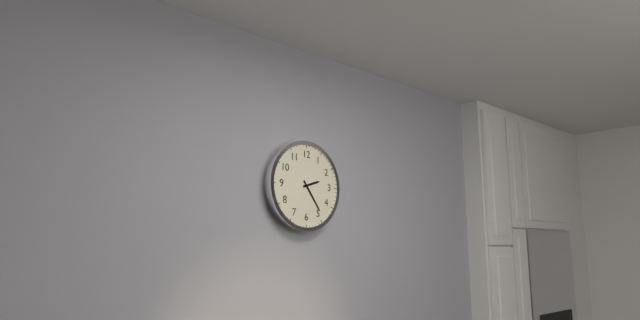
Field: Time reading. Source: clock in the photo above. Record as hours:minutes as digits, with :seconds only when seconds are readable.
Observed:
2:24
